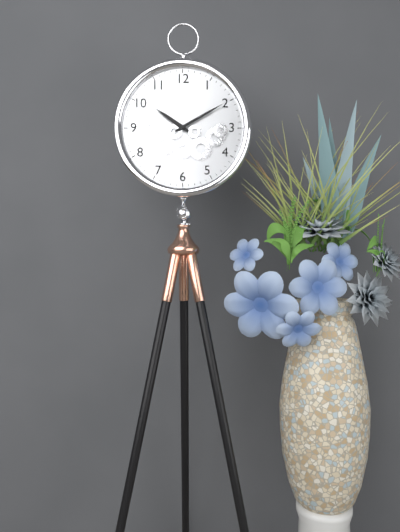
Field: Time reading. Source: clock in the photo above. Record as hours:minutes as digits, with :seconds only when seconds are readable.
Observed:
10:10
